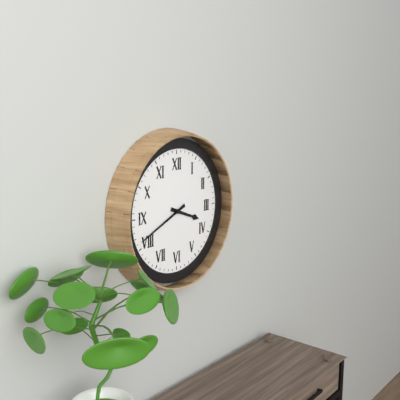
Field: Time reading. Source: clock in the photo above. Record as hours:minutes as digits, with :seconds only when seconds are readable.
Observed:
3:41
